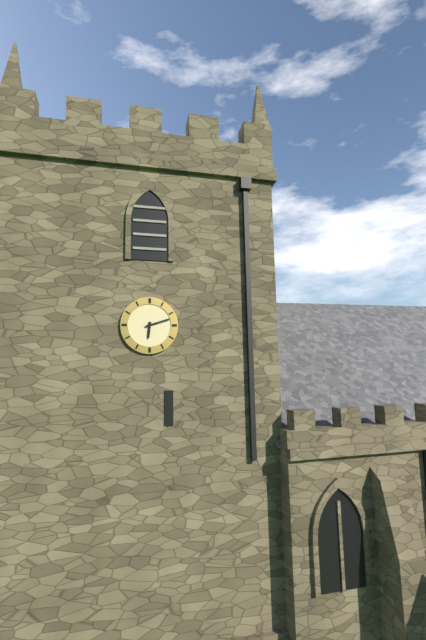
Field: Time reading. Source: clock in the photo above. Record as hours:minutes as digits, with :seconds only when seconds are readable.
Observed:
6:12
